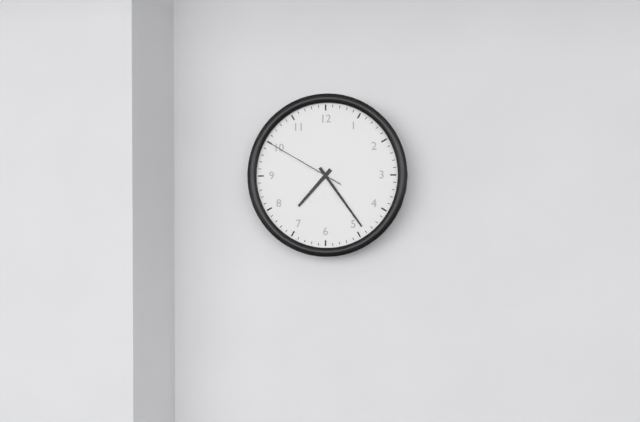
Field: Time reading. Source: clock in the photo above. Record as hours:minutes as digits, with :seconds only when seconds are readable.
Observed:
7:24:50
